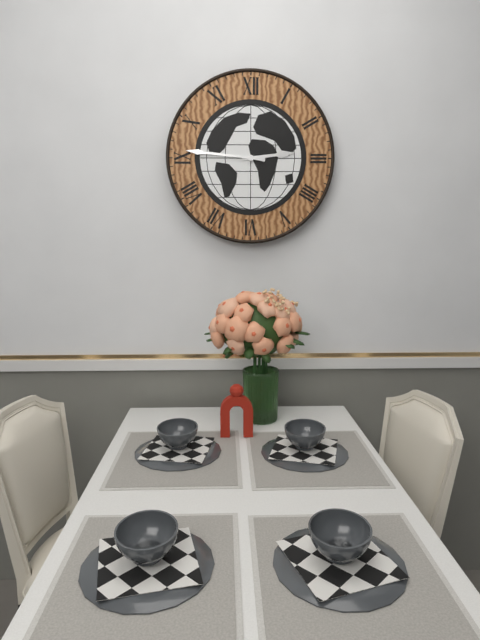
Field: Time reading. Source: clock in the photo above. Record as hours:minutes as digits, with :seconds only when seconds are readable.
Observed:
2:46
